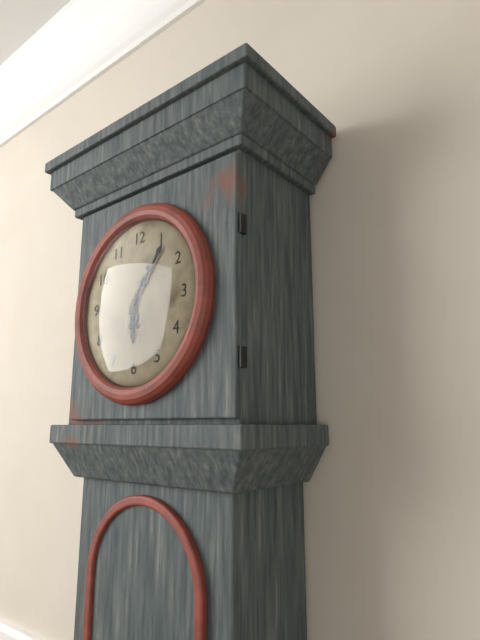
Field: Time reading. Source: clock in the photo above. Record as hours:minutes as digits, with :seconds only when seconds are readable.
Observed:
6:06
